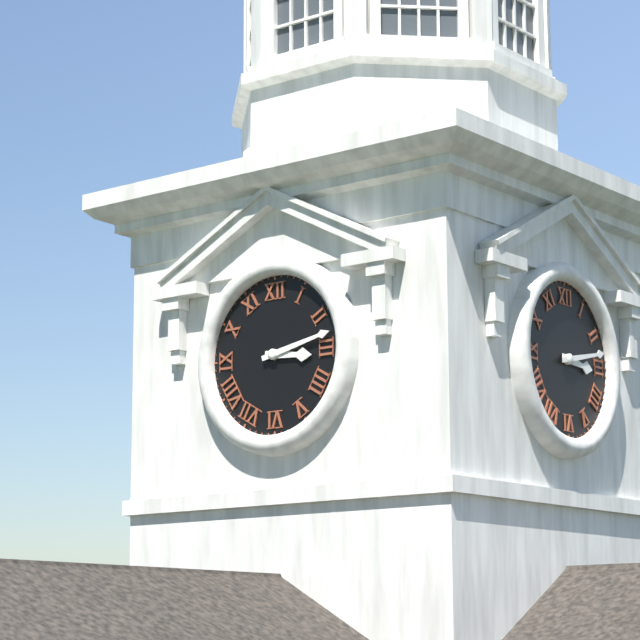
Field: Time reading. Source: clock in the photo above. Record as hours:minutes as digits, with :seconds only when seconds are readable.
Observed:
3:13
